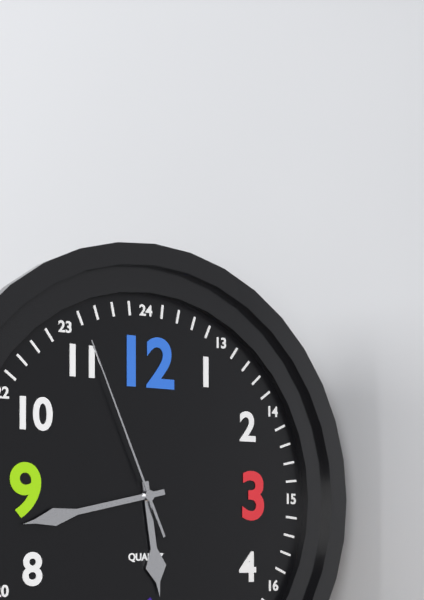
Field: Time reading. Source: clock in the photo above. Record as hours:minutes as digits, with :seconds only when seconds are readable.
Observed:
5:43:56
